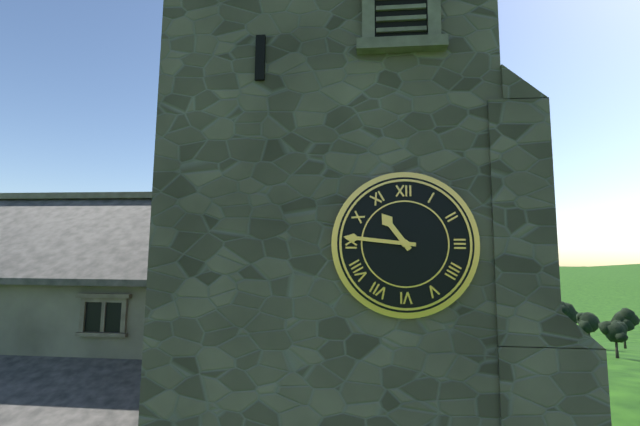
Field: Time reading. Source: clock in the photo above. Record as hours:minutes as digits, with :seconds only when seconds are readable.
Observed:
10:46
